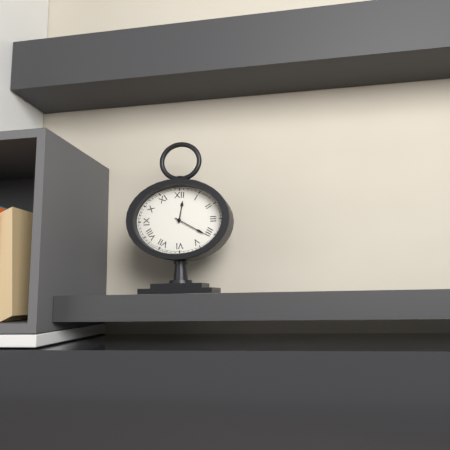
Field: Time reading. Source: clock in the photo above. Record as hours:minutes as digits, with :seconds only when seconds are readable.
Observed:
12:20
